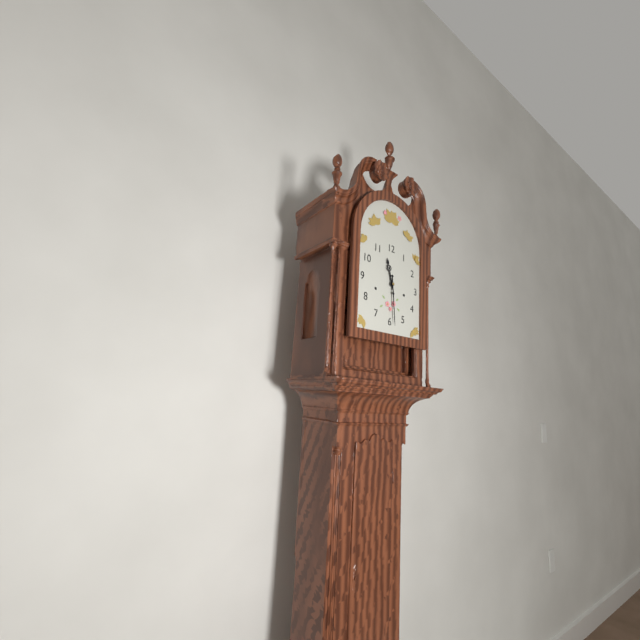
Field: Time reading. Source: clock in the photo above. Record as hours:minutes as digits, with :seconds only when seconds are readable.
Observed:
11:29
